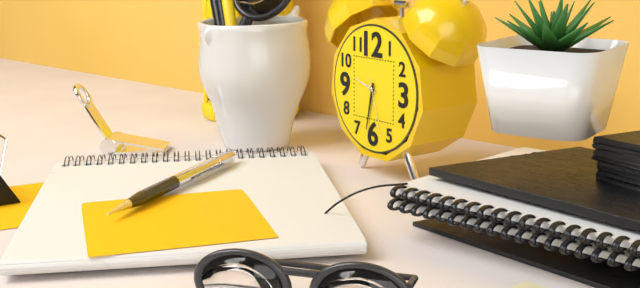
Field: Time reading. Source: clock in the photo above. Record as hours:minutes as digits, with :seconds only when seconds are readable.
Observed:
9:32:27
